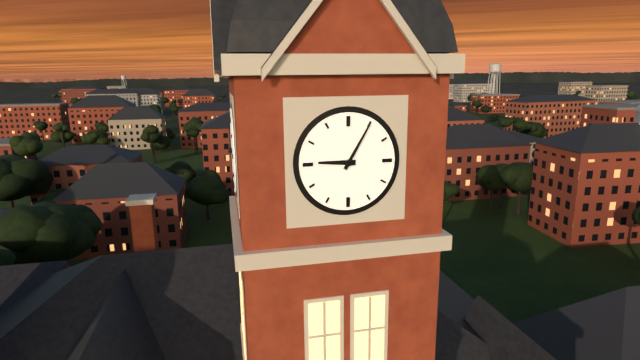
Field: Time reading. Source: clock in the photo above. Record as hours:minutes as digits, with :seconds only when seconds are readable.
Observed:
9:05
